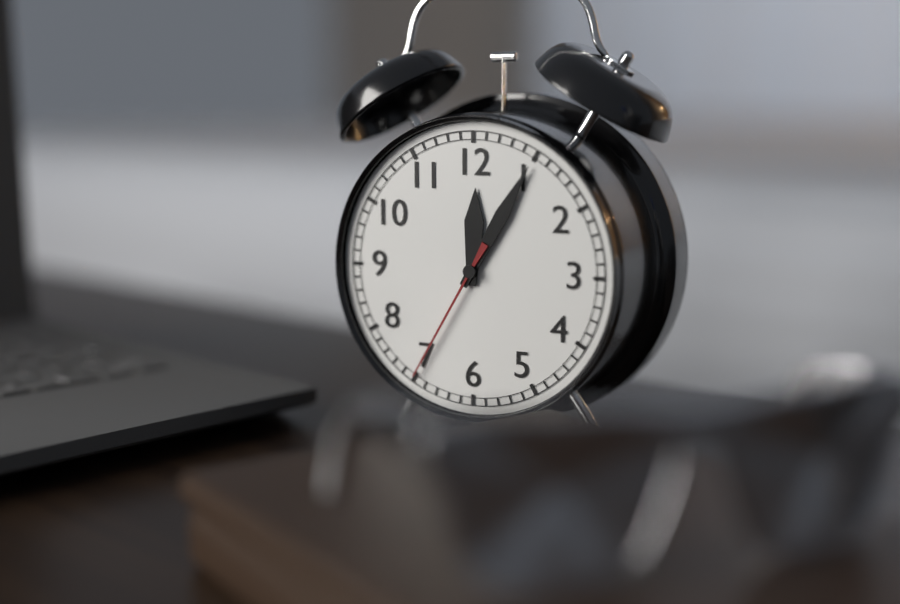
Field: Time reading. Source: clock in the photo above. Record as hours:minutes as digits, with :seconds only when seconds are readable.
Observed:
12:05:35
